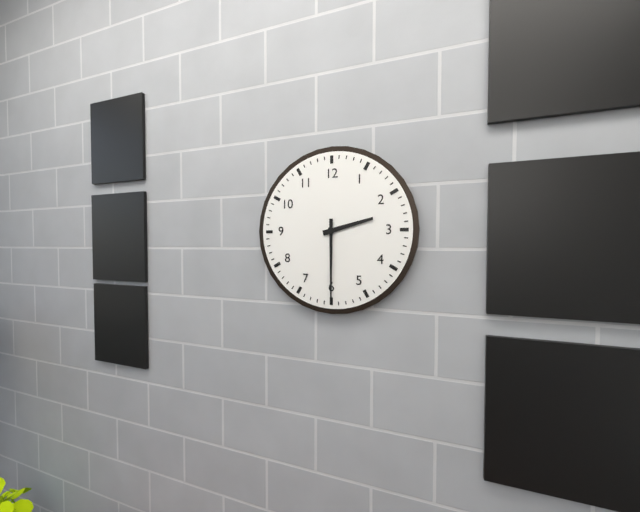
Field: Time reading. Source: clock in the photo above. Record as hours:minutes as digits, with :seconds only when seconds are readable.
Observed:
2:30
